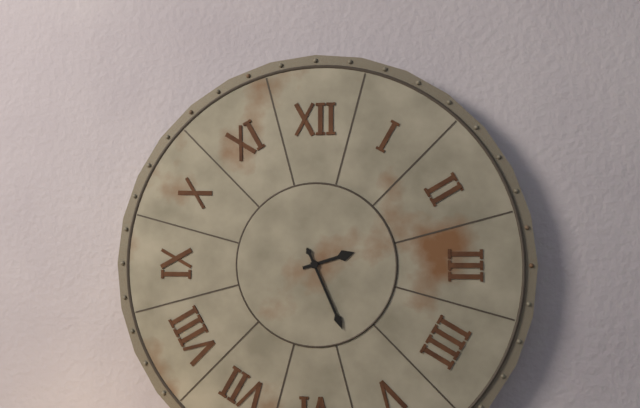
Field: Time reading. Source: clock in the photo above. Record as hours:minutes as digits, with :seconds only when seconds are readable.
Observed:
2:26
